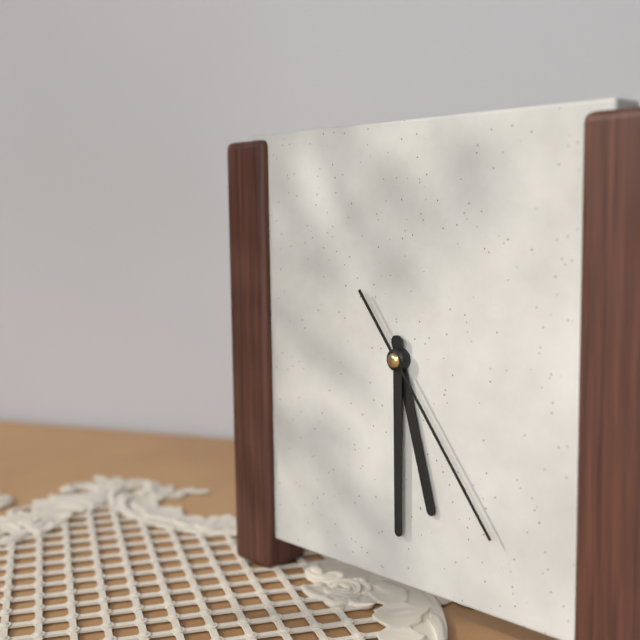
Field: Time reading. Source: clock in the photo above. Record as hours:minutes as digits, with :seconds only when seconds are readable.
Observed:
5:30:24
